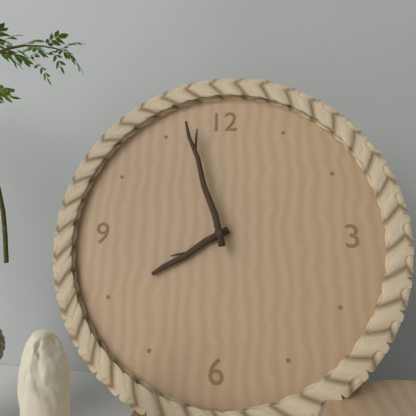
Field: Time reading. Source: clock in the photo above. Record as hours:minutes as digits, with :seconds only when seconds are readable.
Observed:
7:57
